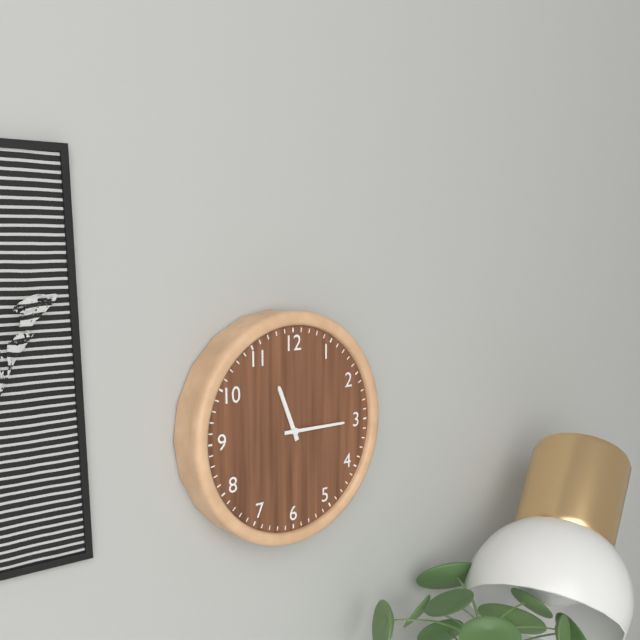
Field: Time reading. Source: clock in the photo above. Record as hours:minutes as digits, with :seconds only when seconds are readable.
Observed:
11:15
